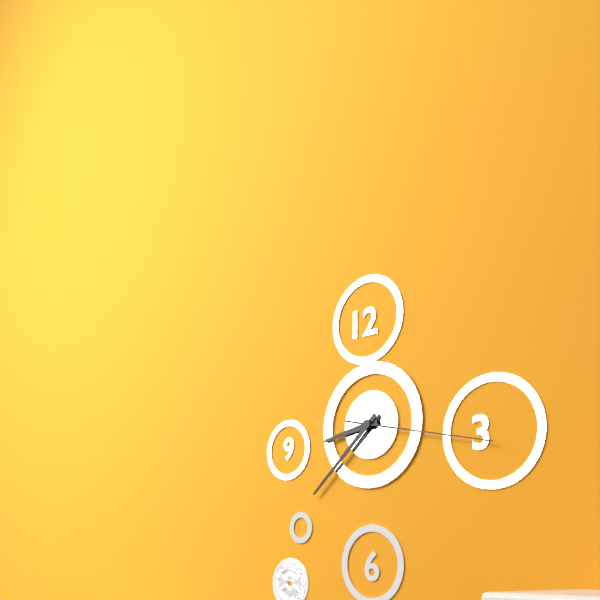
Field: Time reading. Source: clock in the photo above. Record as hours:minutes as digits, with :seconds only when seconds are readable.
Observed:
8:38:17
